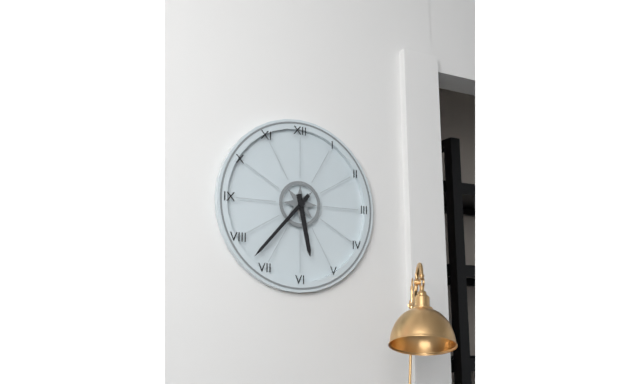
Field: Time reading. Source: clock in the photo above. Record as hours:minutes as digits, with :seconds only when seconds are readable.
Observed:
5:37
